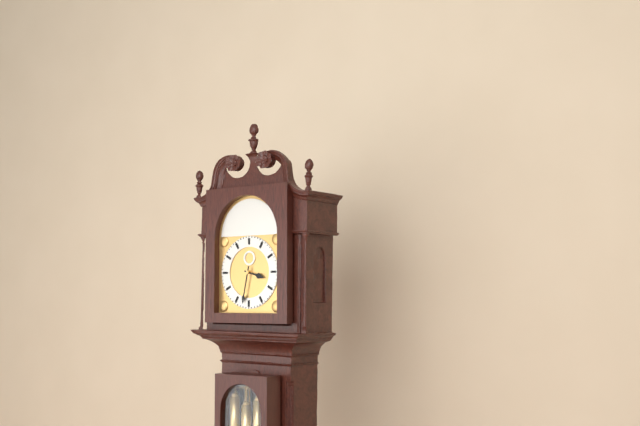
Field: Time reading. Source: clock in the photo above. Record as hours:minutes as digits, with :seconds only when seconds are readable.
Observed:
3:32
